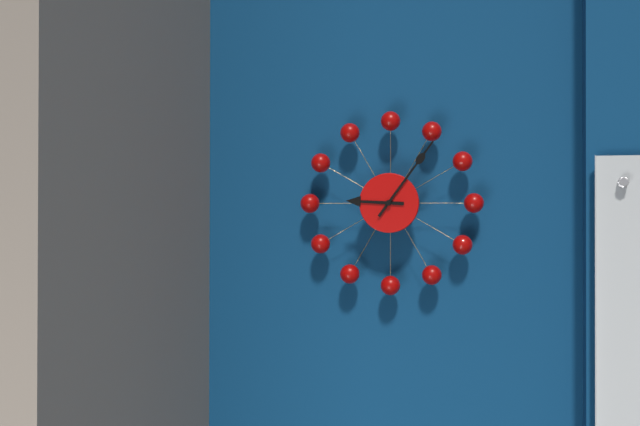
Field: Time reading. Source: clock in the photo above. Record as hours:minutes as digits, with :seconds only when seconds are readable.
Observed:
9:06
